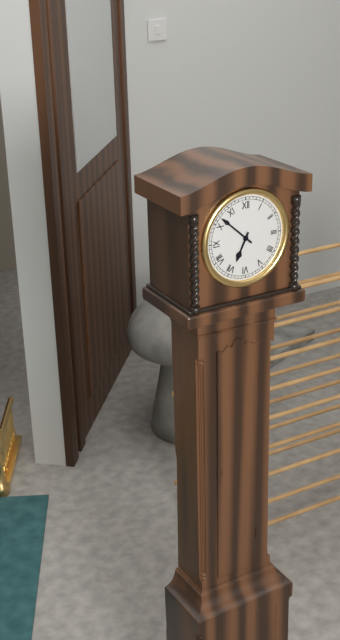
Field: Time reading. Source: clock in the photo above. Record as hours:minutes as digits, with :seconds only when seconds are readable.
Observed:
6:52
